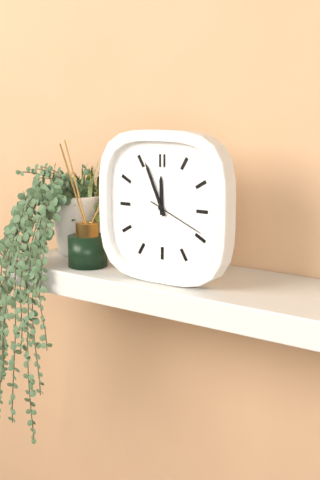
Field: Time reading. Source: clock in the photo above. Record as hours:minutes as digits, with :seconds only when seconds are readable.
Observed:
11:56:19
